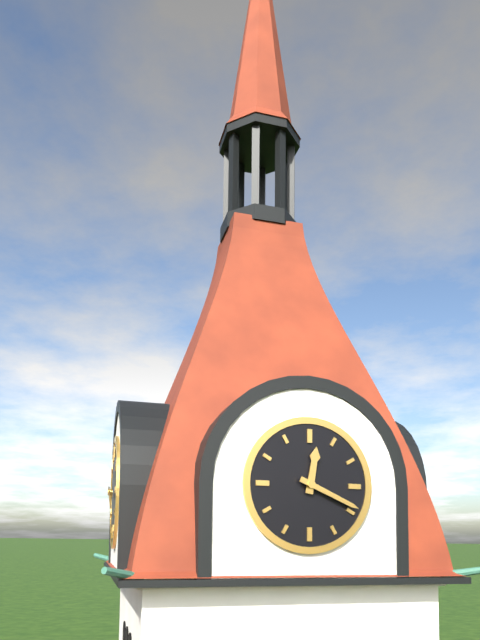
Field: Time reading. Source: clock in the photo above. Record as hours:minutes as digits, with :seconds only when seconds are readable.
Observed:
12:19
